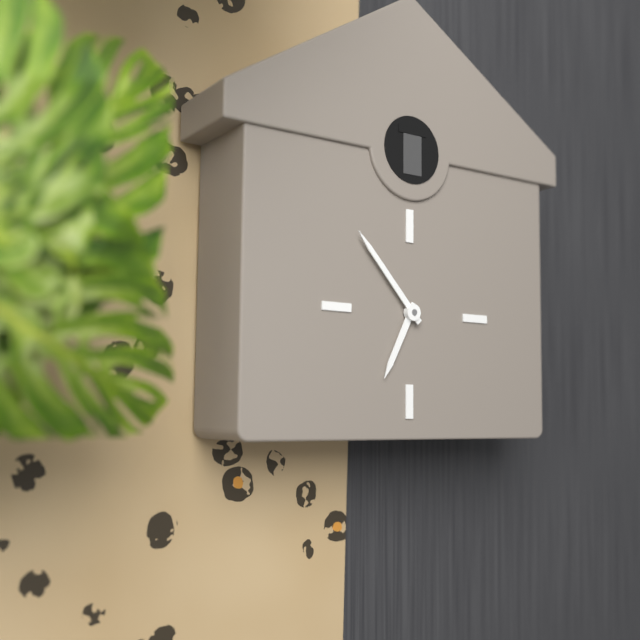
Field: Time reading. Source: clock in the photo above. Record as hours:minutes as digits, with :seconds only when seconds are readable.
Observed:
6:53
